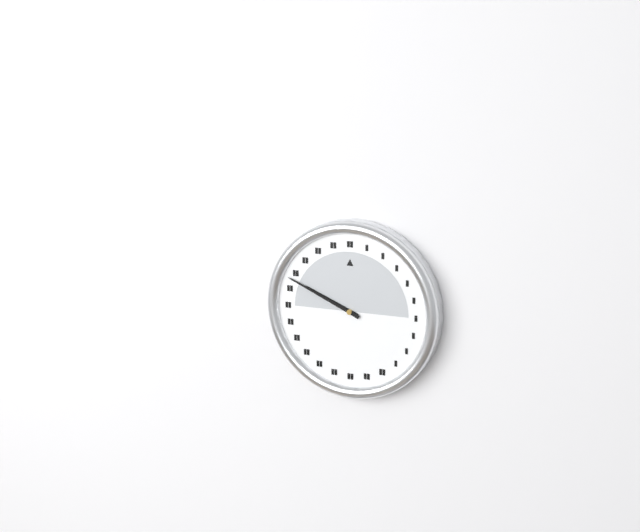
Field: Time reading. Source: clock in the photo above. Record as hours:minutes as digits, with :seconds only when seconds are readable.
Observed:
9:49
